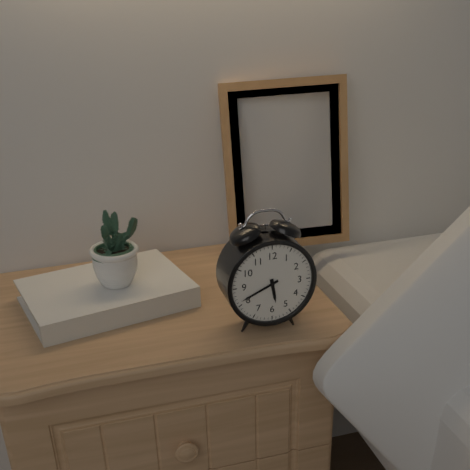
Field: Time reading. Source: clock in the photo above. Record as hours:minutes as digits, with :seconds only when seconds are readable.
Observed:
5:41
